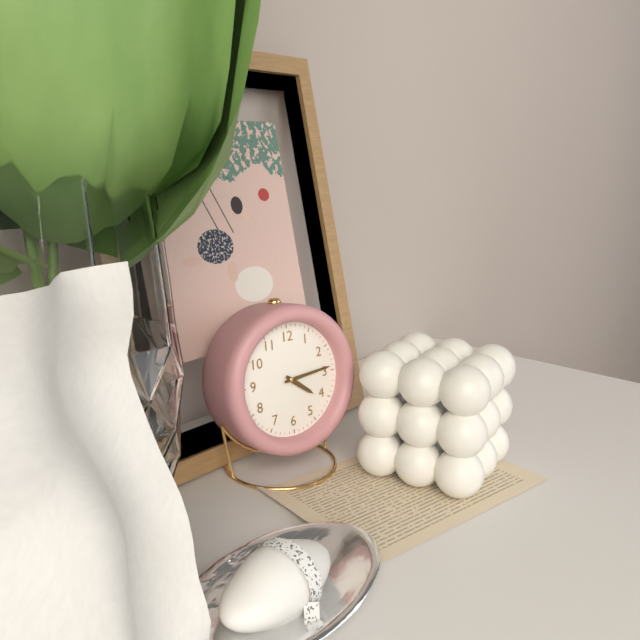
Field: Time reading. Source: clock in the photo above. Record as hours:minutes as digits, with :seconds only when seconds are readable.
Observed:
4:14
